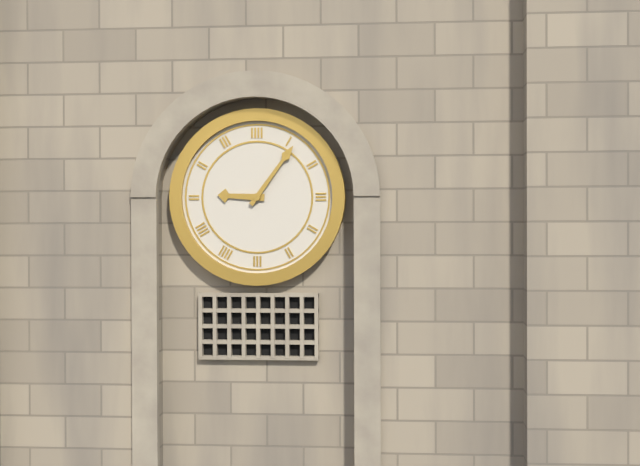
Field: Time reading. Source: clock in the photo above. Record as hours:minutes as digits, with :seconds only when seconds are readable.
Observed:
9:06
